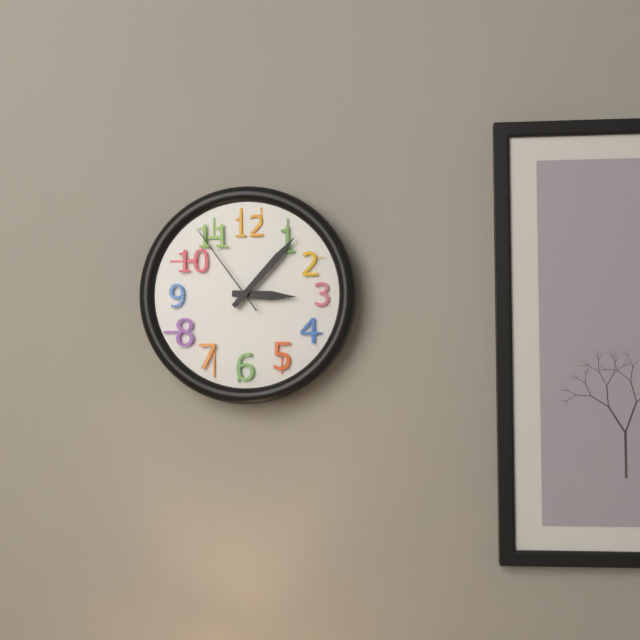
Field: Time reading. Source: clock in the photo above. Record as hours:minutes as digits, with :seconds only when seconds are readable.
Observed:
3:07:54
